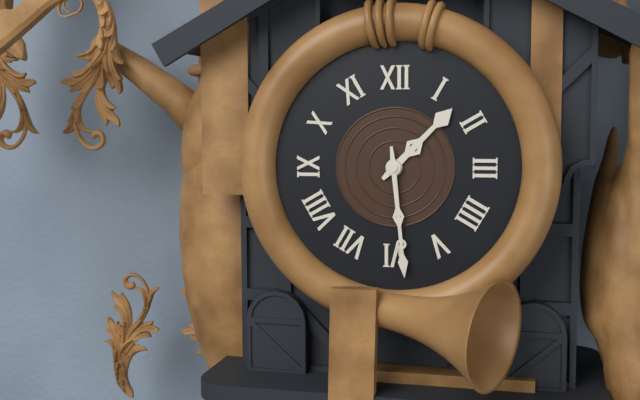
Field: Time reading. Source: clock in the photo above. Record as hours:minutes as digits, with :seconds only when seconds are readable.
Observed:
1:29
